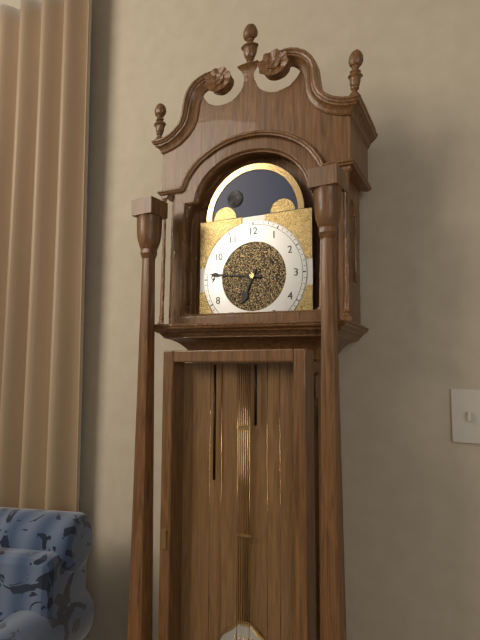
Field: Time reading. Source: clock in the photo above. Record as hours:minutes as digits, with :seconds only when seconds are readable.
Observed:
6:46
